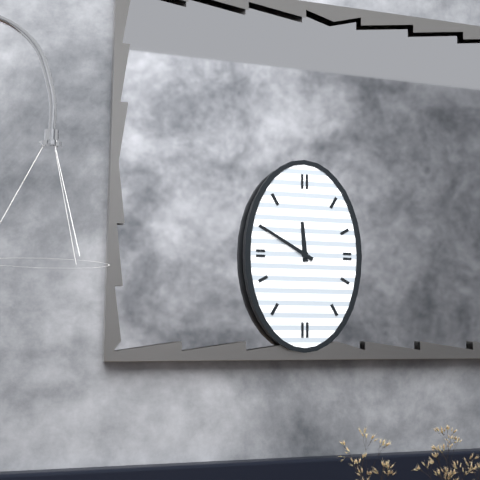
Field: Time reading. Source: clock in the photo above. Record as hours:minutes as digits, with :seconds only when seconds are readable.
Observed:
11:50
